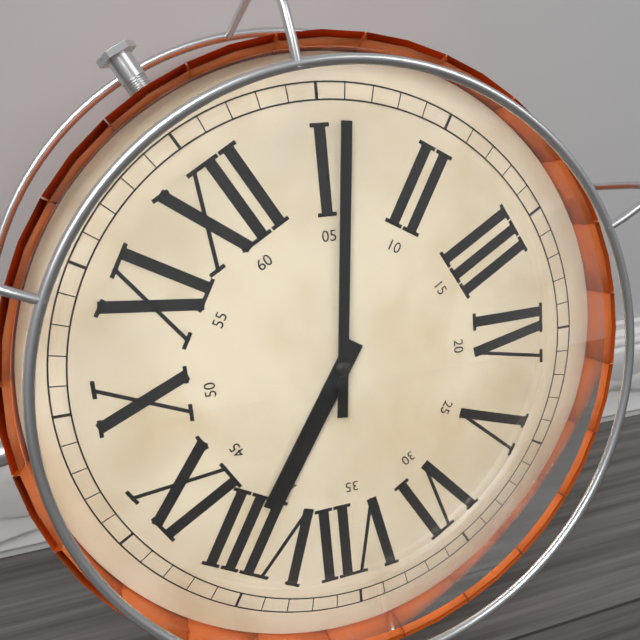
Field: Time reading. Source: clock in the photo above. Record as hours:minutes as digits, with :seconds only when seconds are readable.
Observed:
8:06
